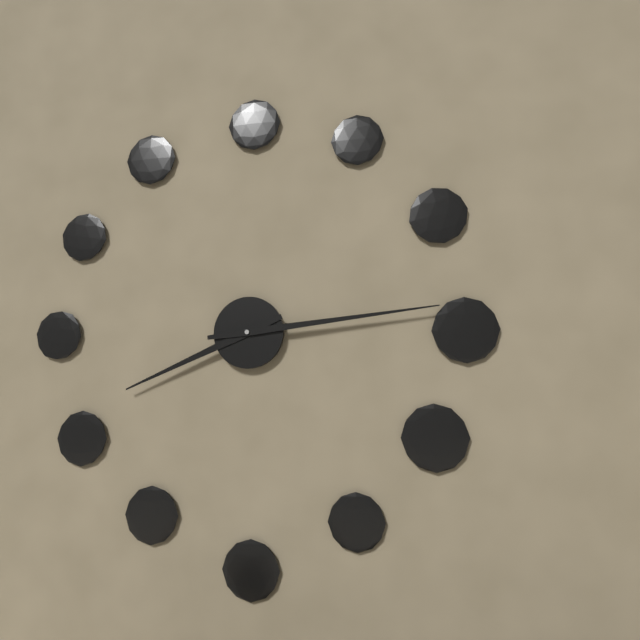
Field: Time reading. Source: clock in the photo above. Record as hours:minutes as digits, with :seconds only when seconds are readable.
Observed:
8:14
